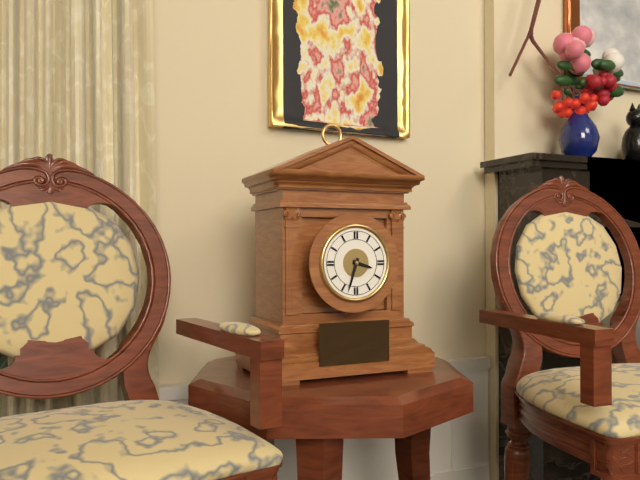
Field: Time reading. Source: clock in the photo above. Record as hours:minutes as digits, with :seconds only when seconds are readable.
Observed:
3:33
